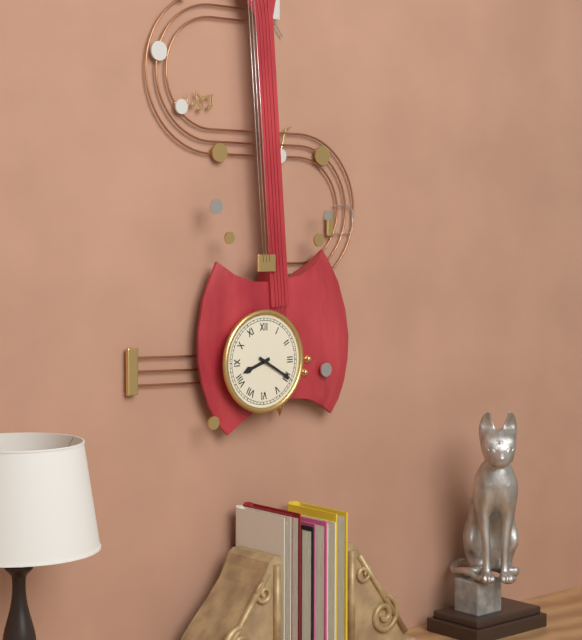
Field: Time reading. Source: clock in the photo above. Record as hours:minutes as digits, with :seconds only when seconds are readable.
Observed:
8:20
